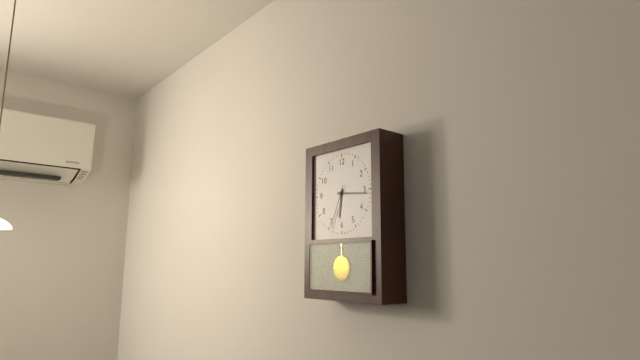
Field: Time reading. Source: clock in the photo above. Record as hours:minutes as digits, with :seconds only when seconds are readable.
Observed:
6:16
